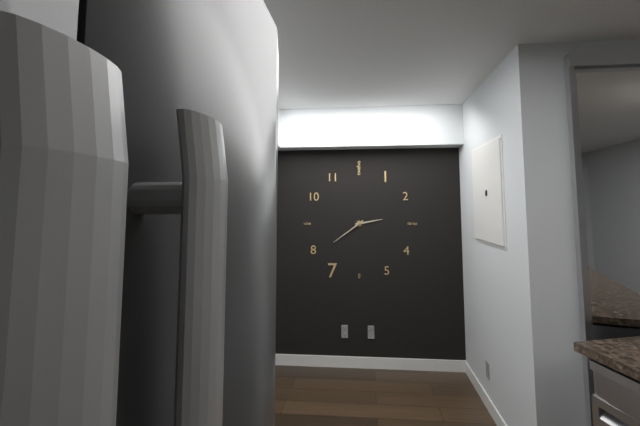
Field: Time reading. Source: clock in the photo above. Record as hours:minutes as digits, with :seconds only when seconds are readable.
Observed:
2:39
